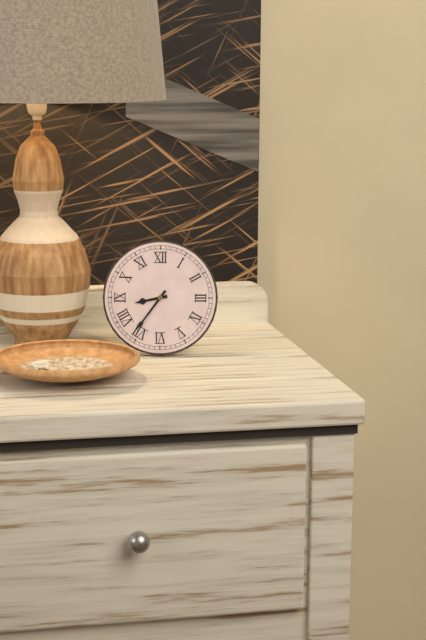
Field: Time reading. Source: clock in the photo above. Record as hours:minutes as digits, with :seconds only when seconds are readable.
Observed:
8:36
